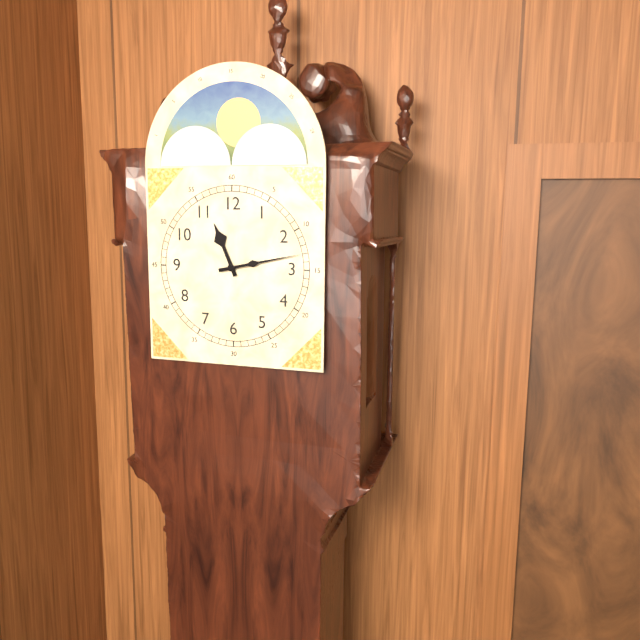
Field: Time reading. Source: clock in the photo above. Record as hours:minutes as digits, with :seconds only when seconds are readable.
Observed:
11:13
